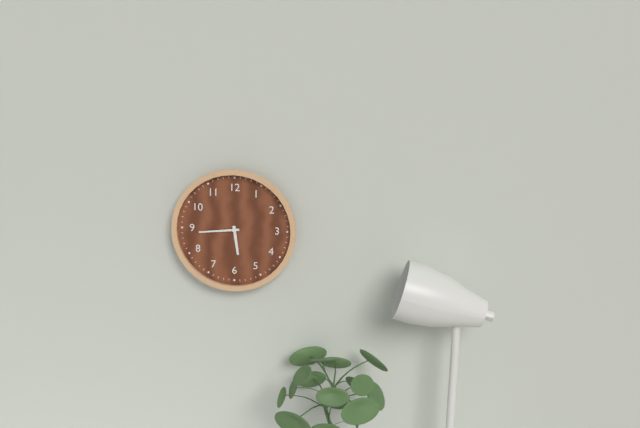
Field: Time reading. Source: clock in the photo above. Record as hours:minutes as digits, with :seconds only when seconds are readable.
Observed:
5:44
